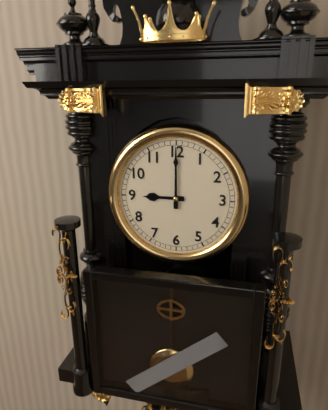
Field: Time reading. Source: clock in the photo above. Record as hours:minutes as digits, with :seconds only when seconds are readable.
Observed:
9:00
